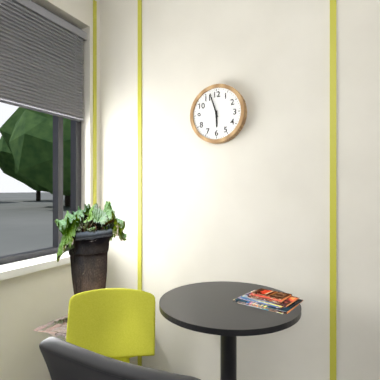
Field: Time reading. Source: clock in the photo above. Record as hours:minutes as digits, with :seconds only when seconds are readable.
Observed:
5:57
